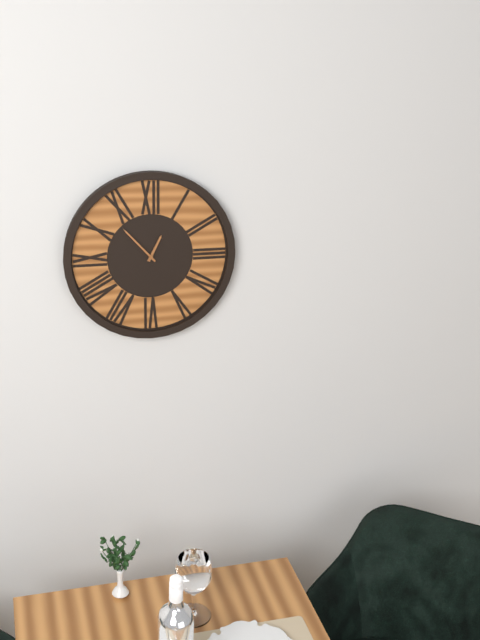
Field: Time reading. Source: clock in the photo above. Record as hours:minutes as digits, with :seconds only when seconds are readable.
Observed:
12:53
